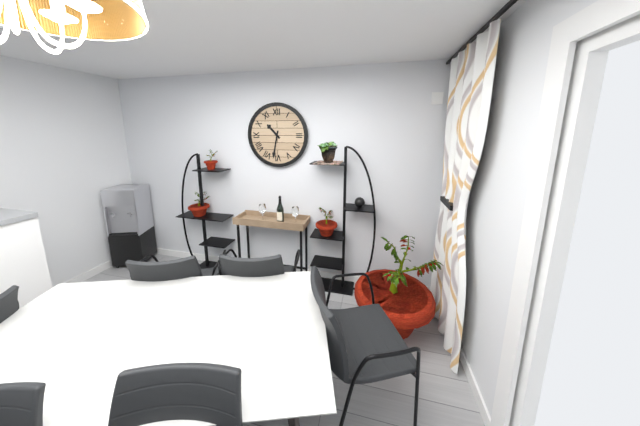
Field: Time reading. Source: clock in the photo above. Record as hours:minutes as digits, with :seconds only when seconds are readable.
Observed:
10:32
